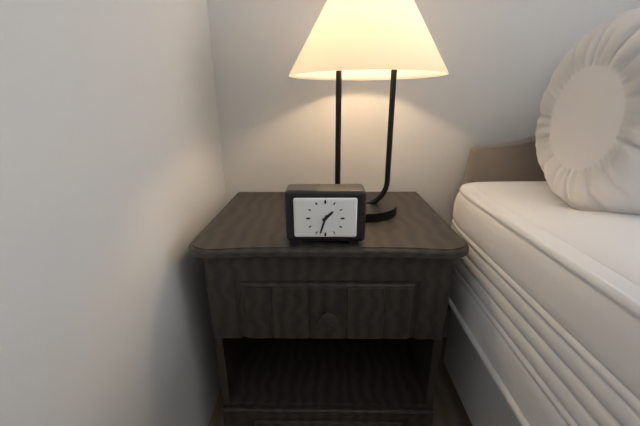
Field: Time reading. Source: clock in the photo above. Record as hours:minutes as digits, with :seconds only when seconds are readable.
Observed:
1:33
